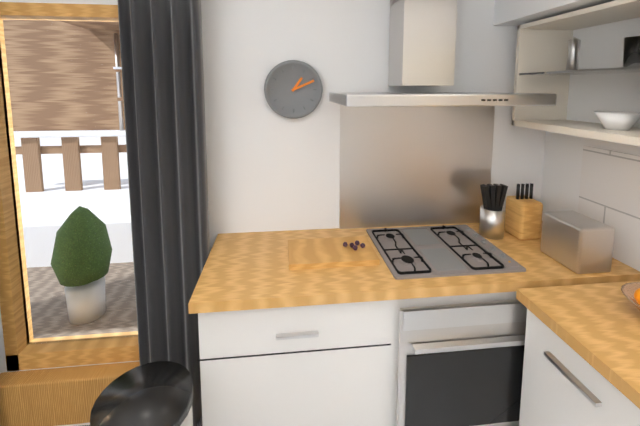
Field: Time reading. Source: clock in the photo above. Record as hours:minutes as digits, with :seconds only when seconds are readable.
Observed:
1:11
